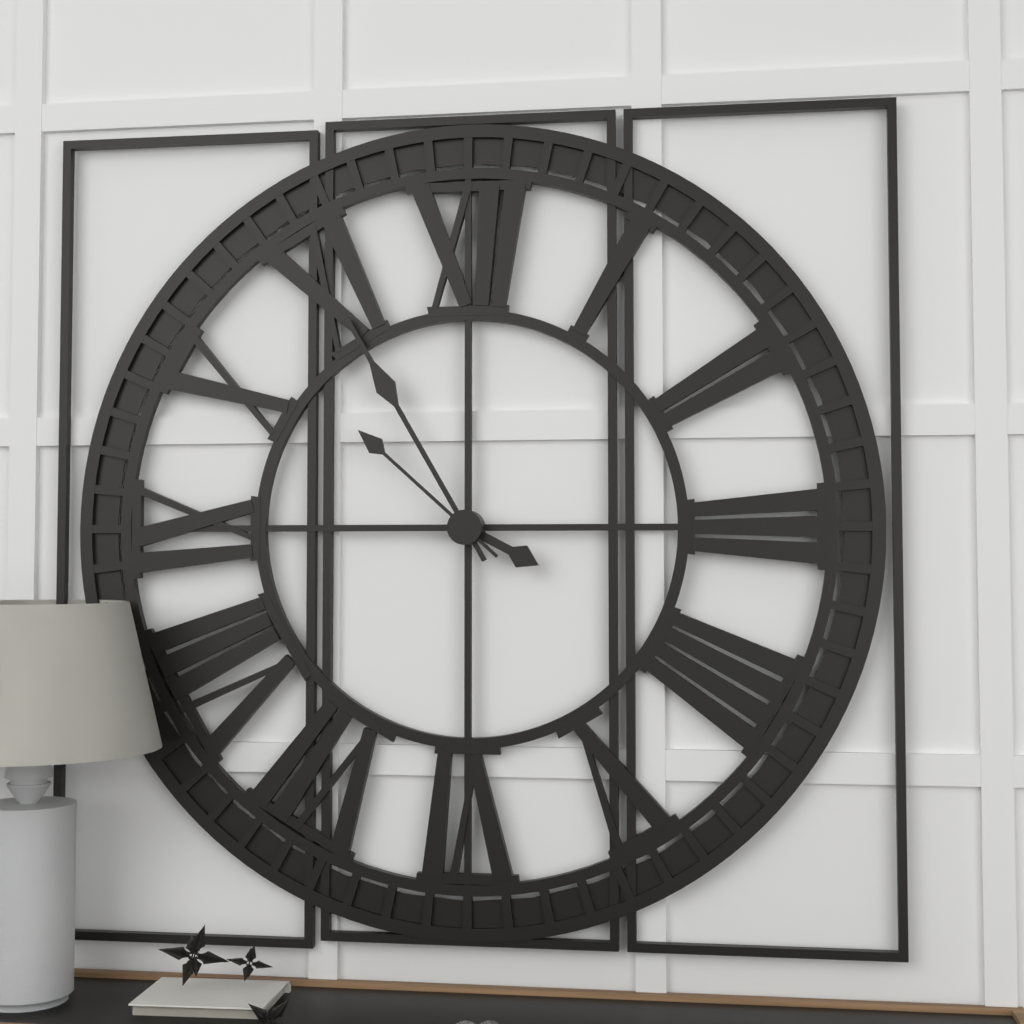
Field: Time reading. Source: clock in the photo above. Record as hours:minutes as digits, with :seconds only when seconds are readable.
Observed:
3:55:52
